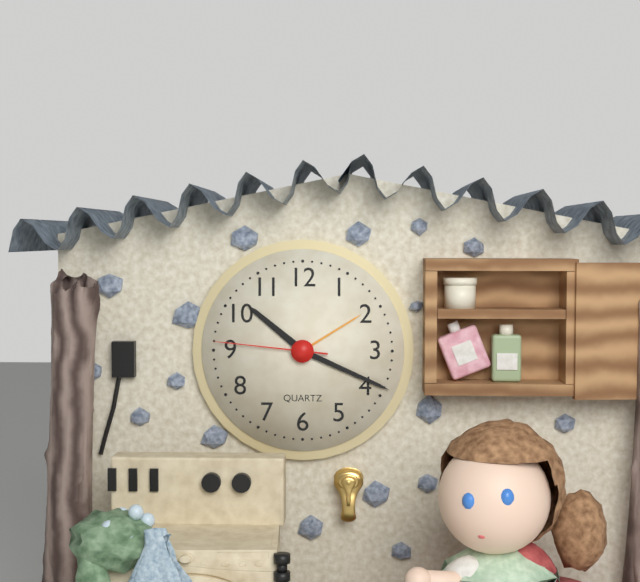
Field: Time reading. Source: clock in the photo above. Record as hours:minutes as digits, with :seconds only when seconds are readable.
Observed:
10:19:46
